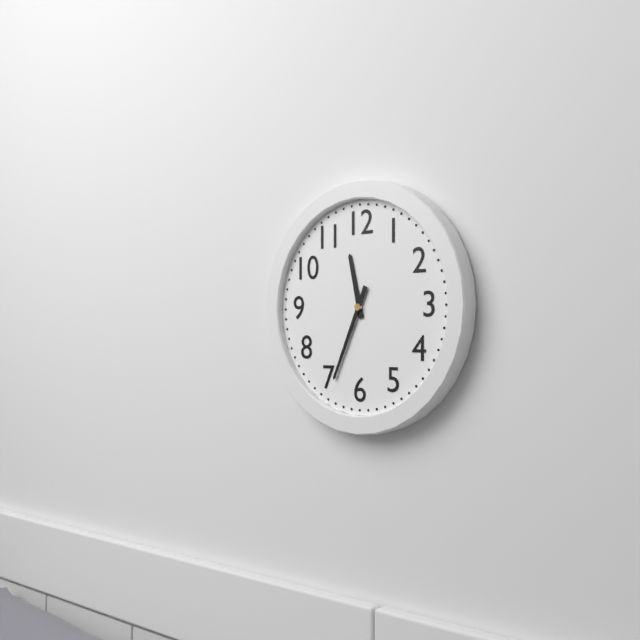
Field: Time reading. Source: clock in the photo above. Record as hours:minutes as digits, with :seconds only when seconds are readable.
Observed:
11:34
